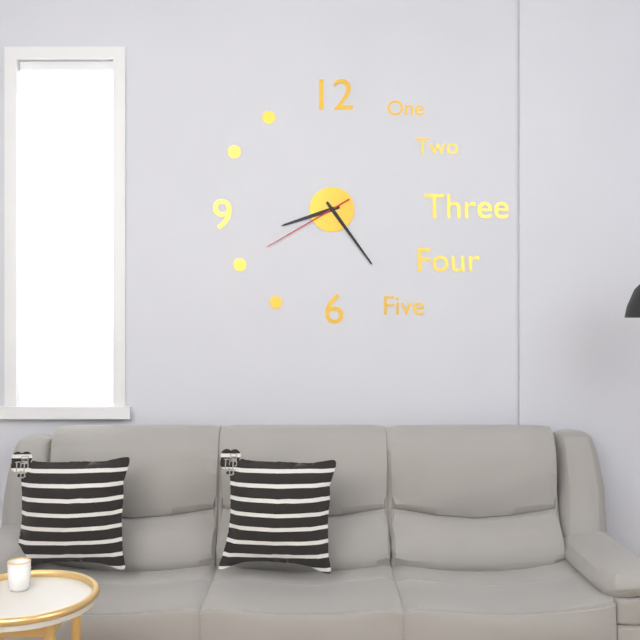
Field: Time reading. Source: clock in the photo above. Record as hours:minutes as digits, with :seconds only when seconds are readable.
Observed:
8:24:40
